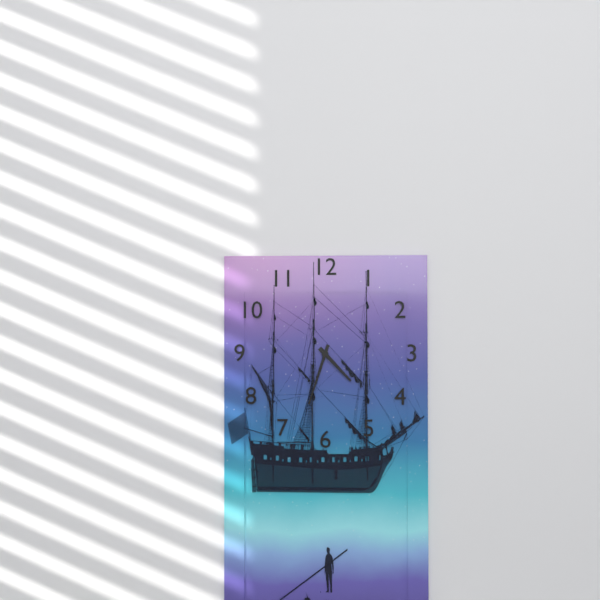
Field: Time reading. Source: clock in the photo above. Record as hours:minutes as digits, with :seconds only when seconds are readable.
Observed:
4:33
